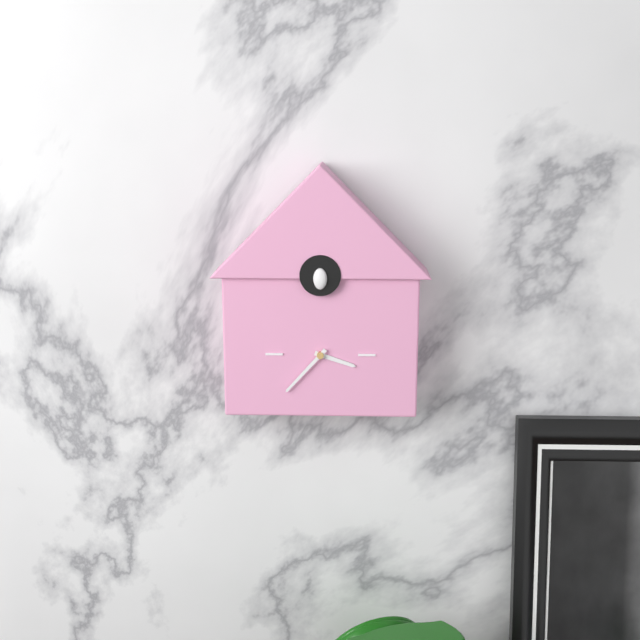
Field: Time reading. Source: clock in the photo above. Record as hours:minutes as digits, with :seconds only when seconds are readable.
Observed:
3:37
